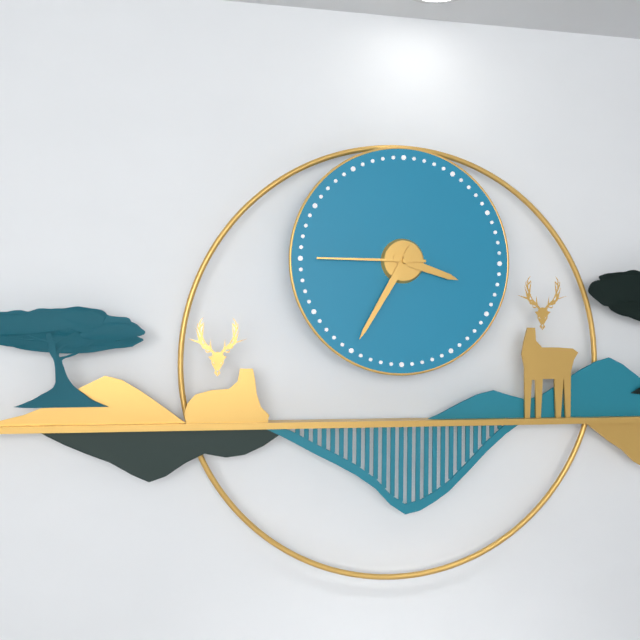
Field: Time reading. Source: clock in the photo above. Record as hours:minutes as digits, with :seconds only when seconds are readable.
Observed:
3:35:45
